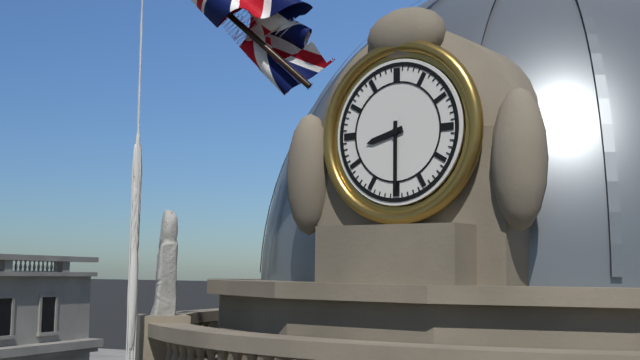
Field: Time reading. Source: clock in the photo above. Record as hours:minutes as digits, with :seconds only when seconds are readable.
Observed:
8:30
